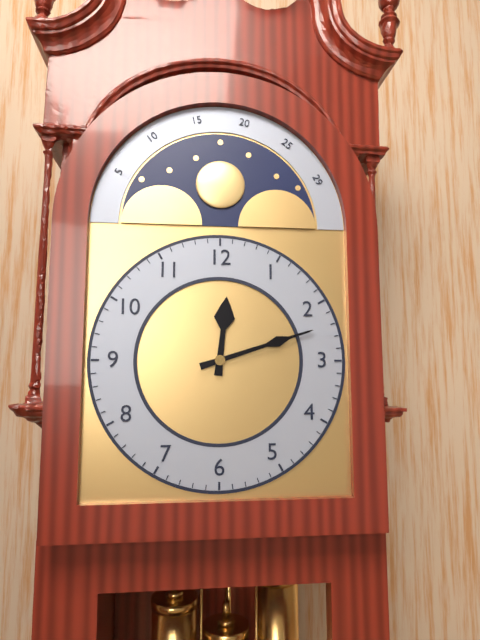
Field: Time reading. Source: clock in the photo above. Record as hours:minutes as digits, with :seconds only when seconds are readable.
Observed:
12:12
